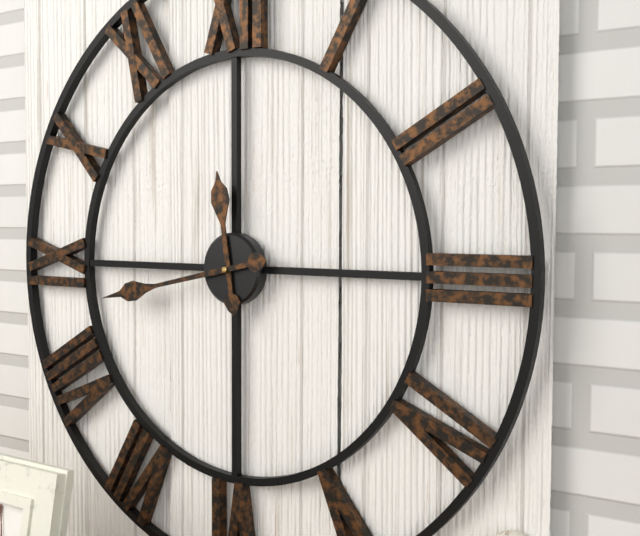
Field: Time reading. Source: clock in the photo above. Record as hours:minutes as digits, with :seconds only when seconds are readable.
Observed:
11:43
